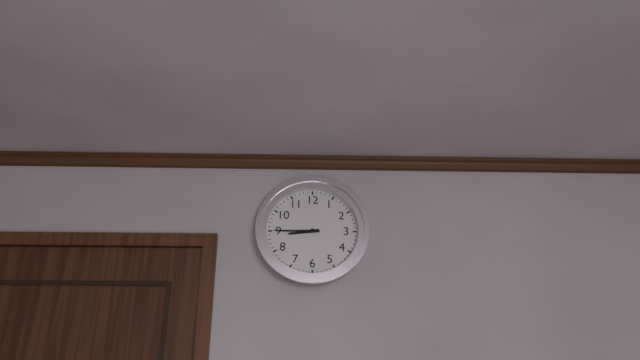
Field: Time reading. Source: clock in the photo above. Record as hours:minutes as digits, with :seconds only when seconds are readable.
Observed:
8:45
